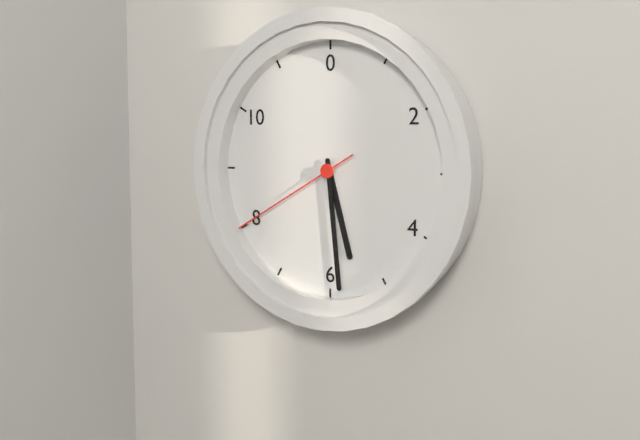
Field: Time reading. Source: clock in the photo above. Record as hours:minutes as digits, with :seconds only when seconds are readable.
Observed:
5:29:40
